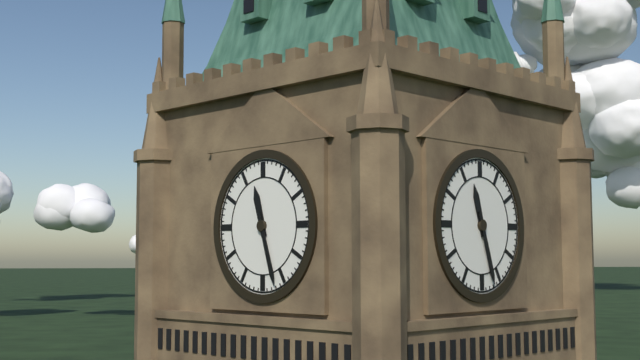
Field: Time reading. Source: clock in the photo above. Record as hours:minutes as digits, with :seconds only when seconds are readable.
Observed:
11:27
